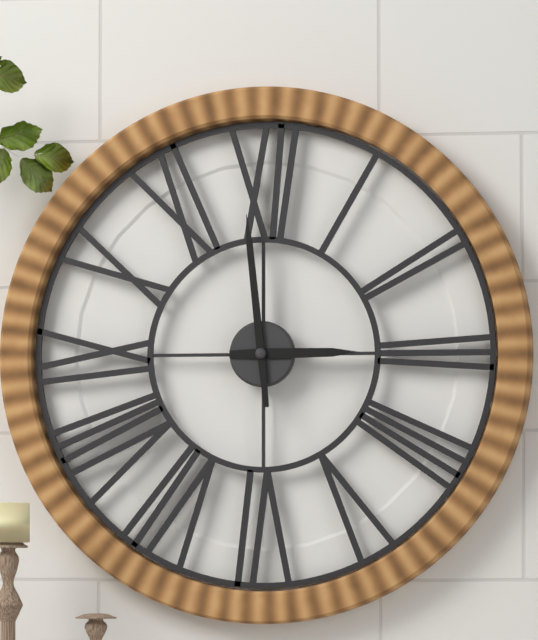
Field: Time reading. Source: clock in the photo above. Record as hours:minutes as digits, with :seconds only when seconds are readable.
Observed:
2:59
